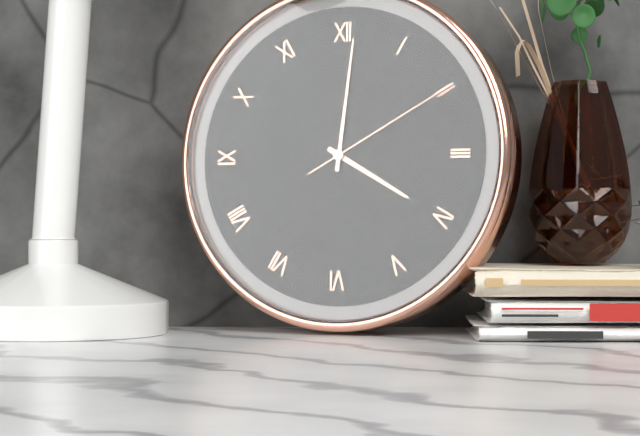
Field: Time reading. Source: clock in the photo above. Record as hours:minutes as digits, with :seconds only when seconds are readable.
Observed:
4:01:10
